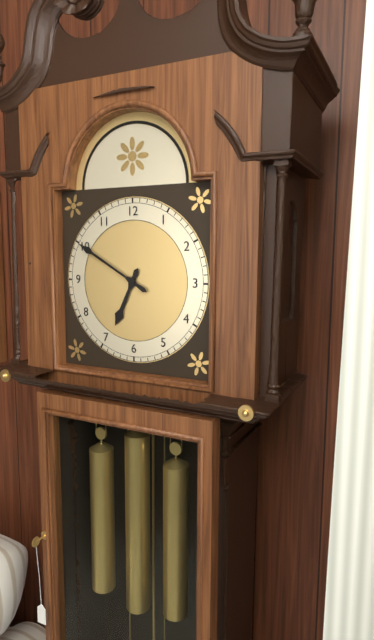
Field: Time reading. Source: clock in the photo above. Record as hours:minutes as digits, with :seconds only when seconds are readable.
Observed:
6:50
